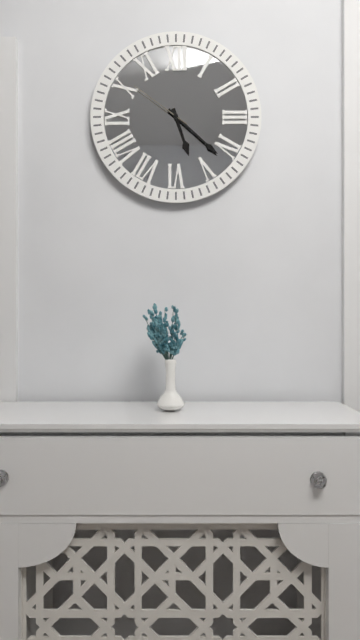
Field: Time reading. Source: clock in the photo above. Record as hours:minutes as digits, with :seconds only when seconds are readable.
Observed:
5:22:51
